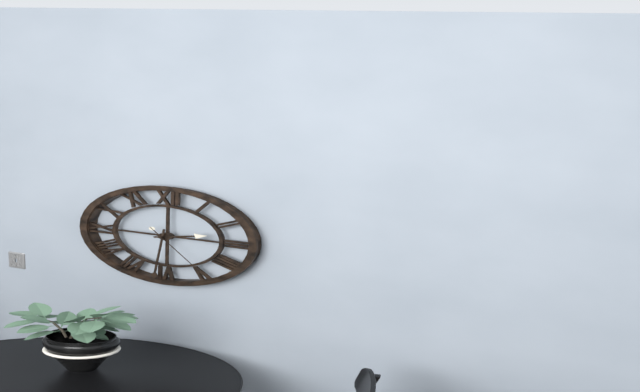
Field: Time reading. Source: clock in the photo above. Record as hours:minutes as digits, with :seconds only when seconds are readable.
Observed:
2:31:24
